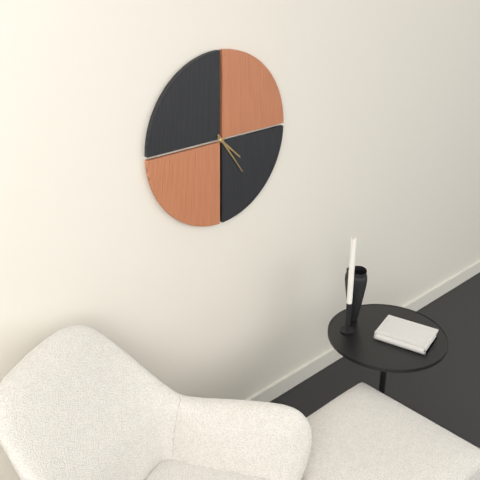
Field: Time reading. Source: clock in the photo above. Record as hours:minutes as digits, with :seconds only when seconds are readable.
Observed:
4:24
